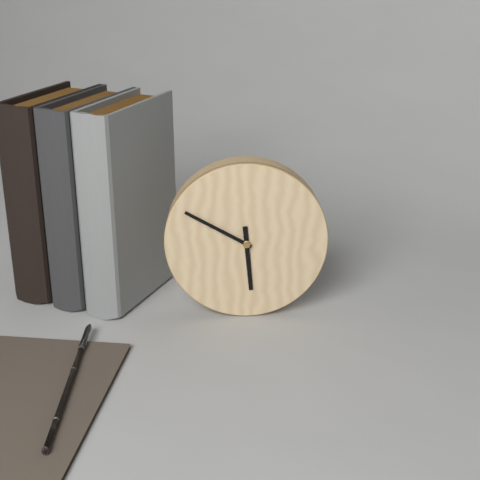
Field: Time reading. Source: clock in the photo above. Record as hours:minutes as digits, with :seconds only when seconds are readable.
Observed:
5:50
